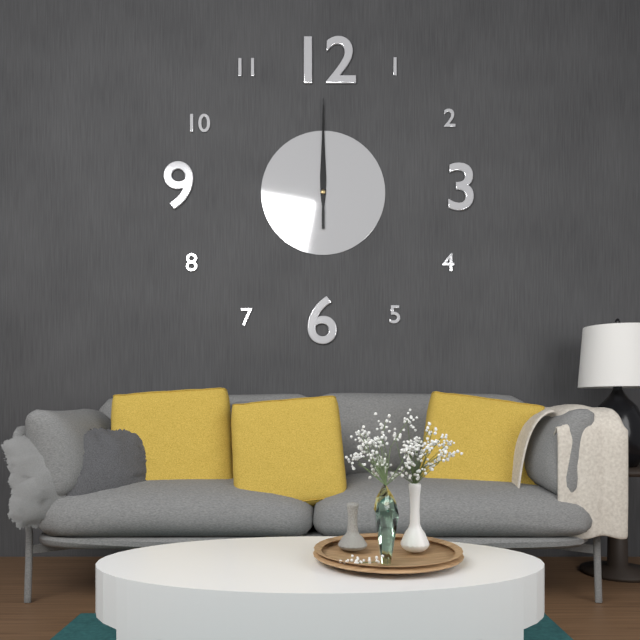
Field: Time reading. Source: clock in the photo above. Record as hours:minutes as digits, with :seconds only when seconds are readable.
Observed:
12:00:00
